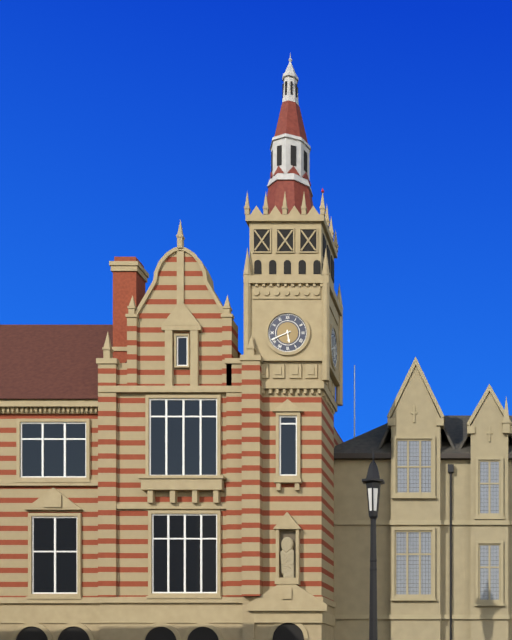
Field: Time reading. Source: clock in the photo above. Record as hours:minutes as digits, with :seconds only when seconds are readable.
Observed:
5:41
